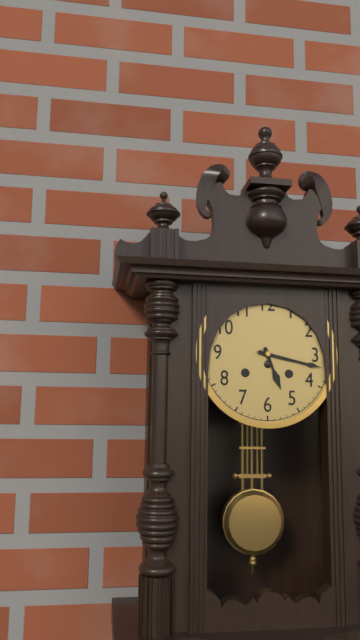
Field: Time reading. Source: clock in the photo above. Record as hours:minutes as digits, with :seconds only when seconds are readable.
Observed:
5:17
